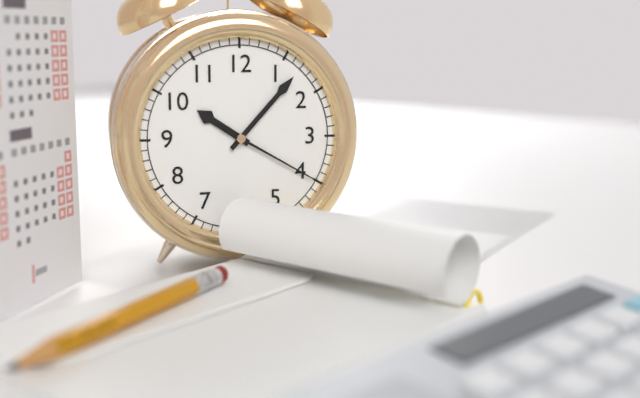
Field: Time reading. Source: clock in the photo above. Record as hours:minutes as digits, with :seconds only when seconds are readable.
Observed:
10:07:20
